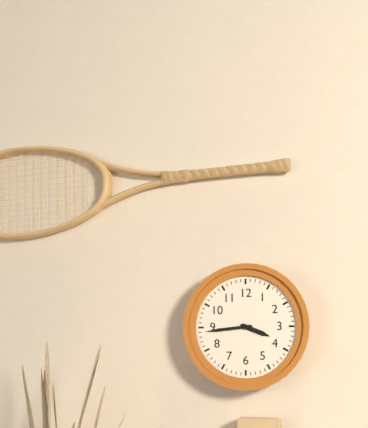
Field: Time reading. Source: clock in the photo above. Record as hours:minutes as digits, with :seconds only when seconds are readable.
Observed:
3:44
